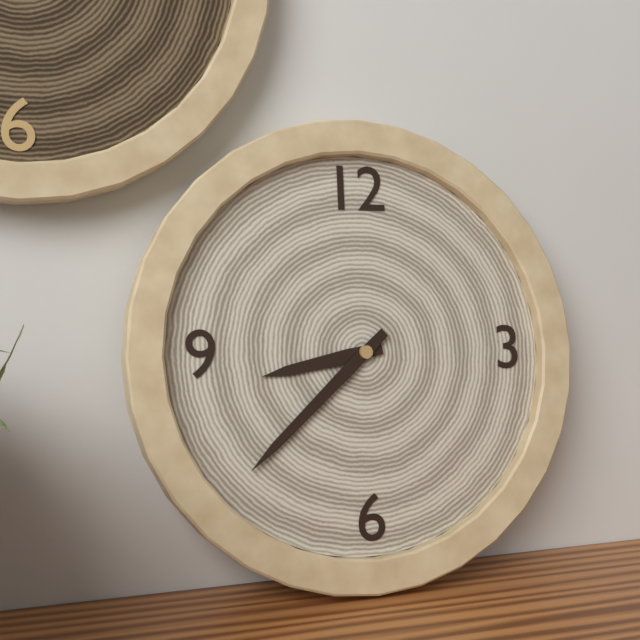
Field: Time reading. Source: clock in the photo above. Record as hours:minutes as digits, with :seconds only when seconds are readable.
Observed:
8:38
